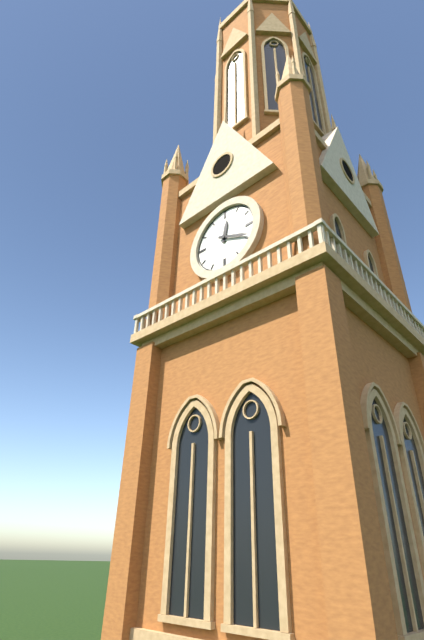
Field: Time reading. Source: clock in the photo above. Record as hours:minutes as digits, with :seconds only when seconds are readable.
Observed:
12:19
